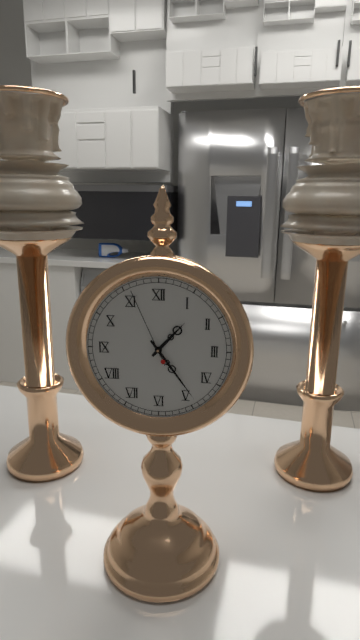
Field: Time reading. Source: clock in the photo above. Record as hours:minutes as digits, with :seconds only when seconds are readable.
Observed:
1:24:56
